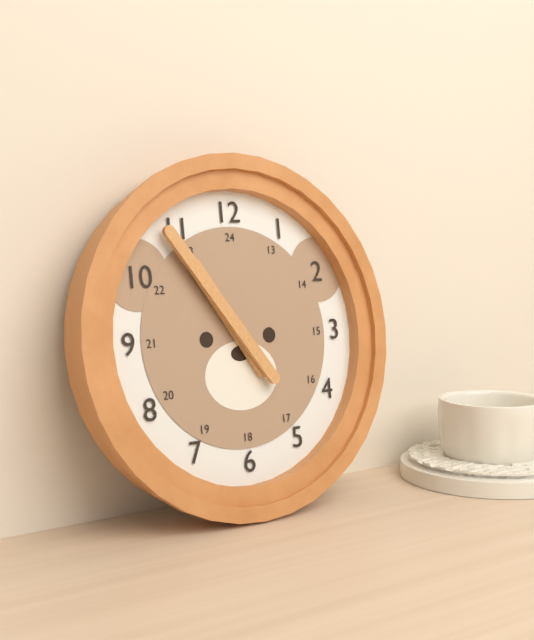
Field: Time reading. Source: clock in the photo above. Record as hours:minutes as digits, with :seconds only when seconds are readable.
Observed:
10:54
